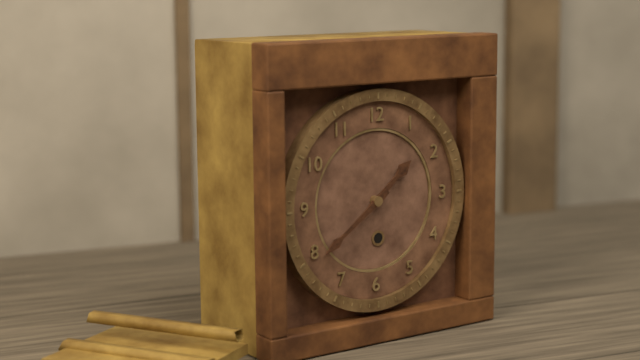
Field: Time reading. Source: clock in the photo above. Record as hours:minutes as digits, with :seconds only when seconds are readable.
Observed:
1:39
